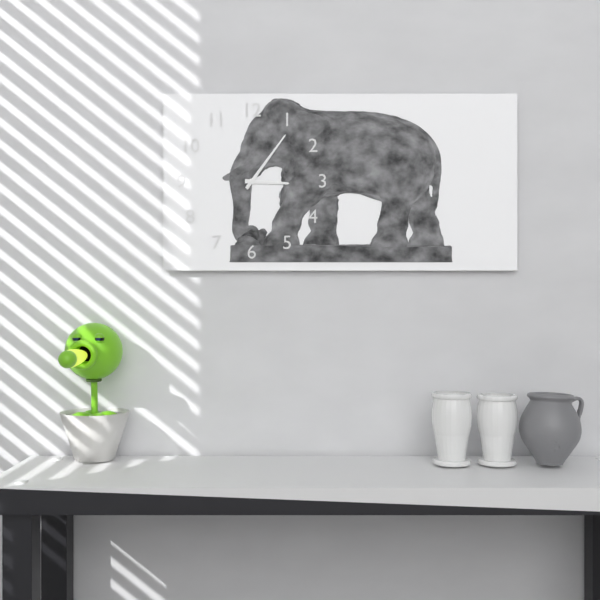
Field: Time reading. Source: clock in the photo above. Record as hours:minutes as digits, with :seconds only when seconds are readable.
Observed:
3:06
